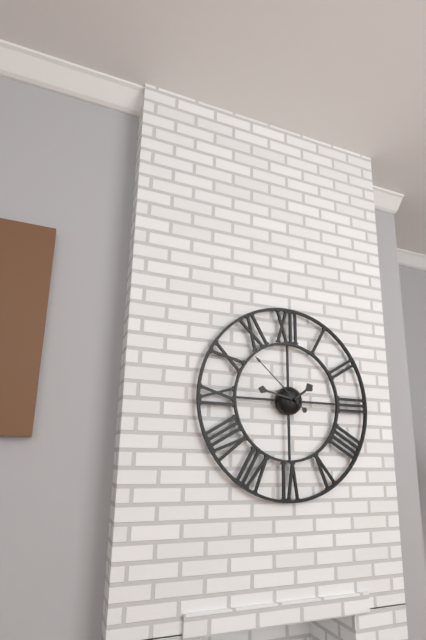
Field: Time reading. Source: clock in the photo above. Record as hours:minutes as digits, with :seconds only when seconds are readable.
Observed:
1:47:52
